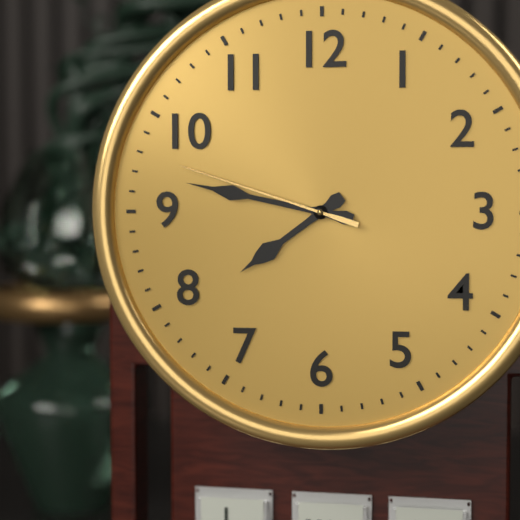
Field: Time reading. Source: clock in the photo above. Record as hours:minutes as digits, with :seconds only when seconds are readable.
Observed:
7:47:48
